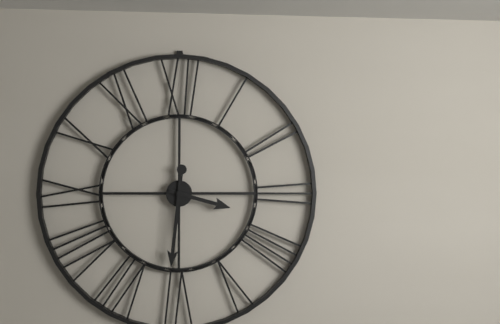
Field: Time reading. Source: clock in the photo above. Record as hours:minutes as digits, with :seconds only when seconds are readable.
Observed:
3:31
